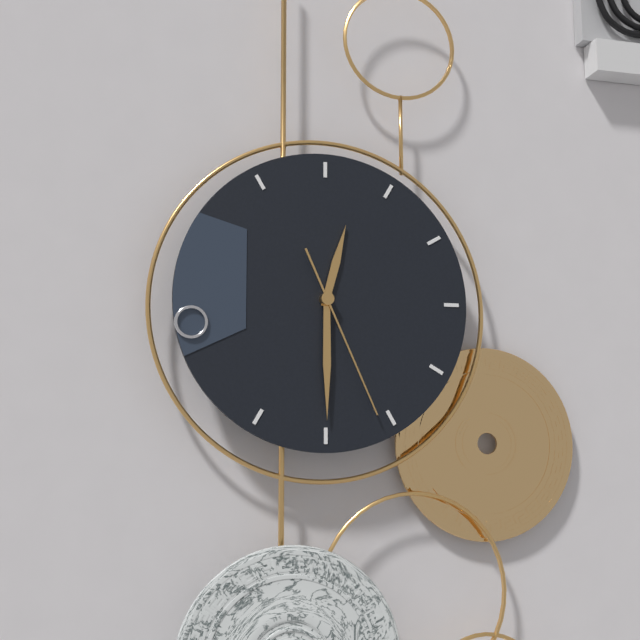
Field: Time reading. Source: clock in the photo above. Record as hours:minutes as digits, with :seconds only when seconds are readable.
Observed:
12:30:26
